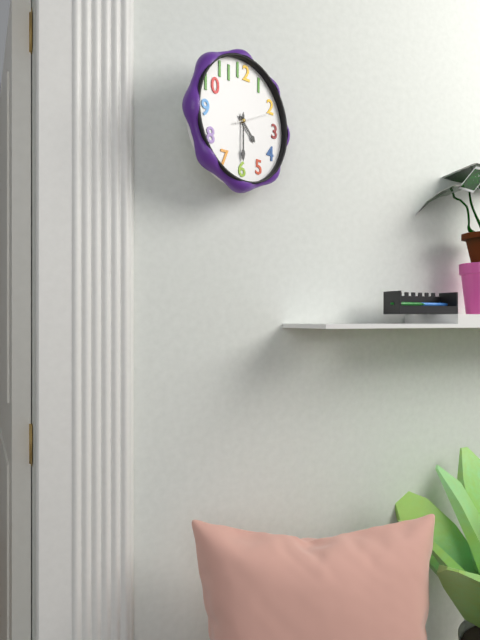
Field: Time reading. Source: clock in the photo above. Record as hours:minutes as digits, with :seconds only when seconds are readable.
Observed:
4:30
